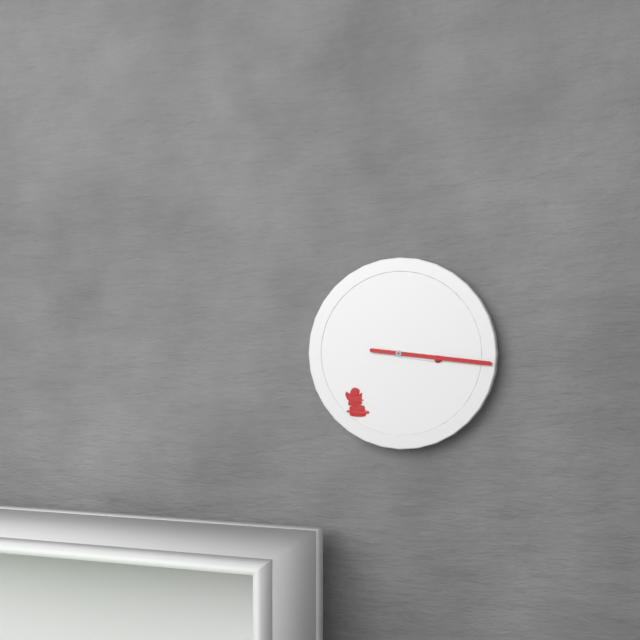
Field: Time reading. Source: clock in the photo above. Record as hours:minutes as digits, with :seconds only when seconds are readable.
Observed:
3:16
